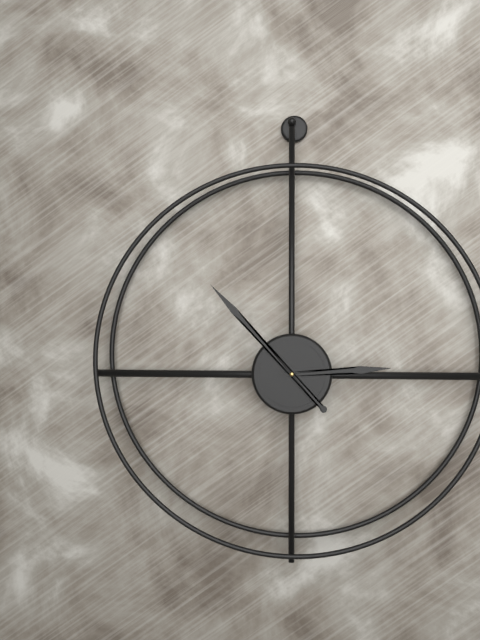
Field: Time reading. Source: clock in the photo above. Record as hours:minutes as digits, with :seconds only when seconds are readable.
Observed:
2:53
